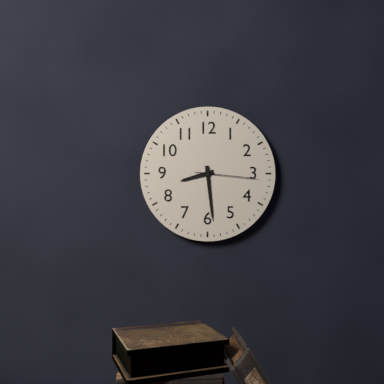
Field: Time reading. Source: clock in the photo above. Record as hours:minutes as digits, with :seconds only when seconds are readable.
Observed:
8:29:16
